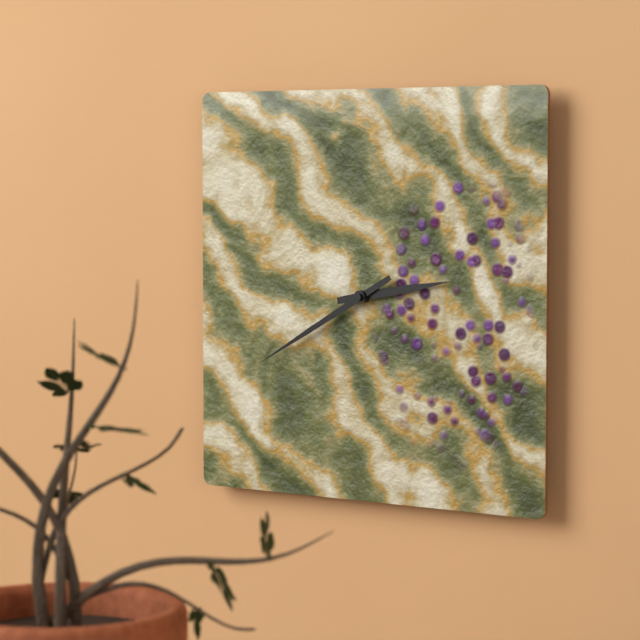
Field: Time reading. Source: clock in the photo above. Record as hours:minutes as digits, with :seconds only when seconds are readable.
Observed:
2:40
